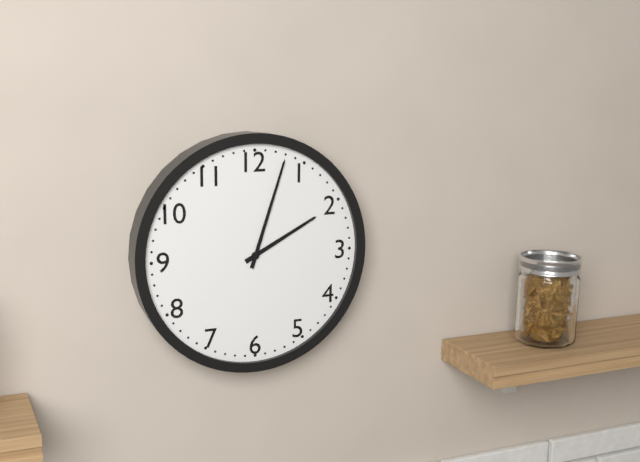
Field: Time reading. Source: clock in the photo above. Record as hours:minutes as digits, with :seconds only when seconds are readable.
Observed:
2:03
